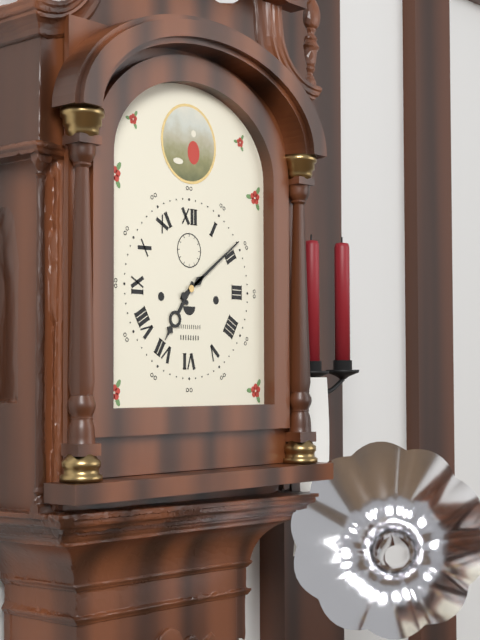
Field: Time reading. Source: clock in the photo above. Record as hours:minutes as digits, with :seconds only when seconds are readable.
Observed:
7:09
